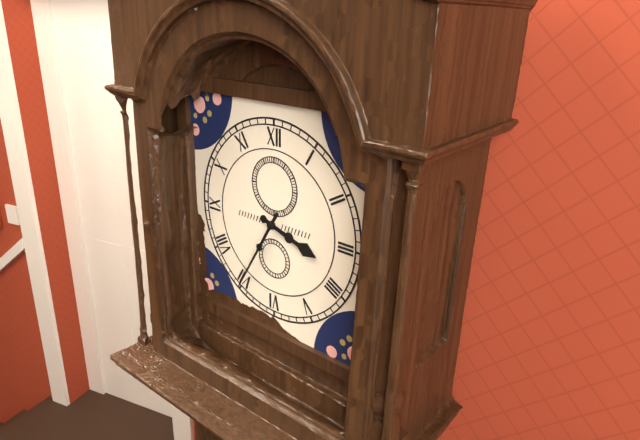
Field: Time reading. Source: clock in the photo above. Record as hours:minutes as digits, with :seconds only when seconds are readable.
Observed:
3:35
